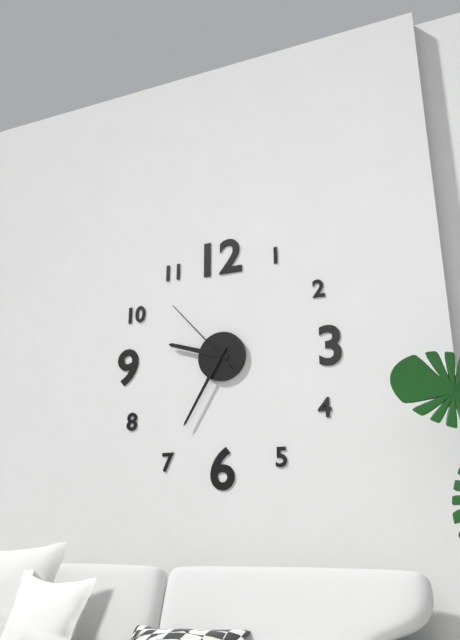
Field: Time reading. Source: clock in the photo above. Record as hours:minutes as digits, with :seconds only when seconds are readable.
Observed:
9:35:53
